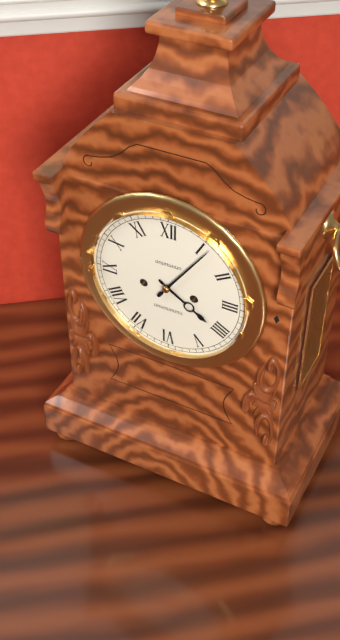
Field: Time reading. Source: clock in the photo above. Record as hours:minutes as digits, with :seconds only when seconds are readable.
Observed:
4:06
